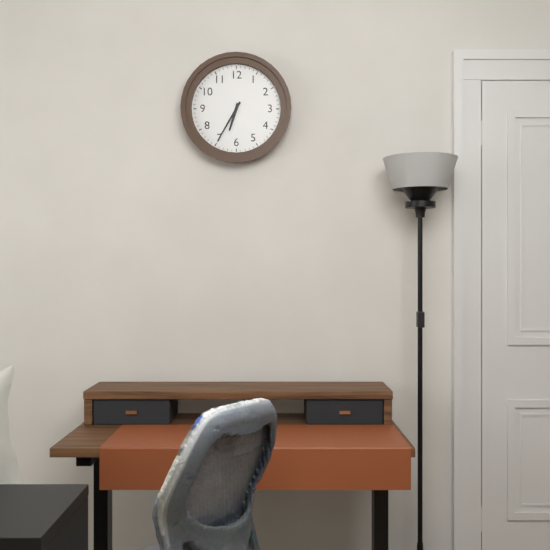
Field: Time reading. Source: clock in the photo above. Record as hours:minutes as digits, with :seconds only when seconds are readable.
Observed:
6:35
